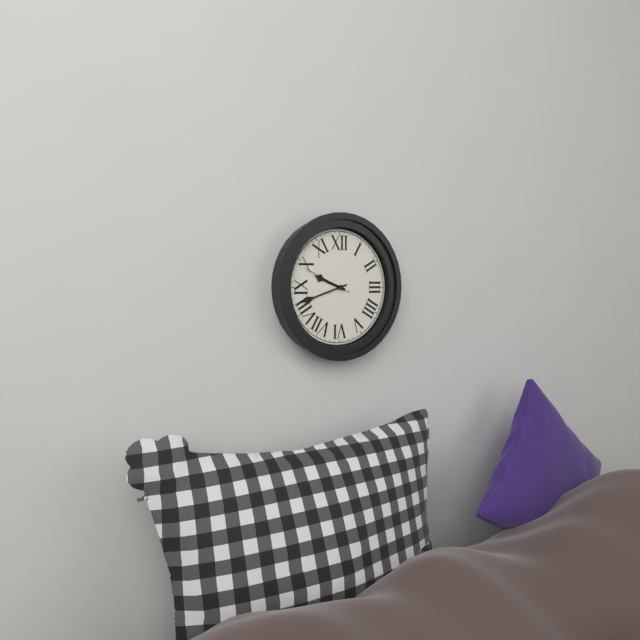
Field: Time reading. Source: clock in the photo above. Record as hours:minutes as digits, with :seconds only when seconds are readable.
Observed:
9:42:49
